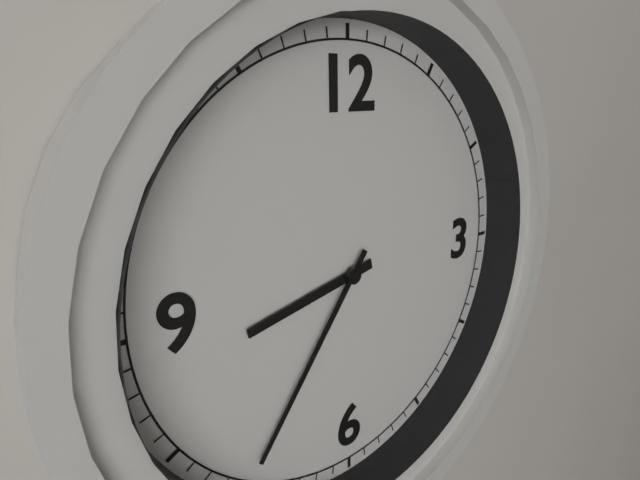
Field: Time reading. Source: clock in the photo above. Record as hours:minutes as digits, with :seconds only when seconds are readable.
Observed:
8:36
